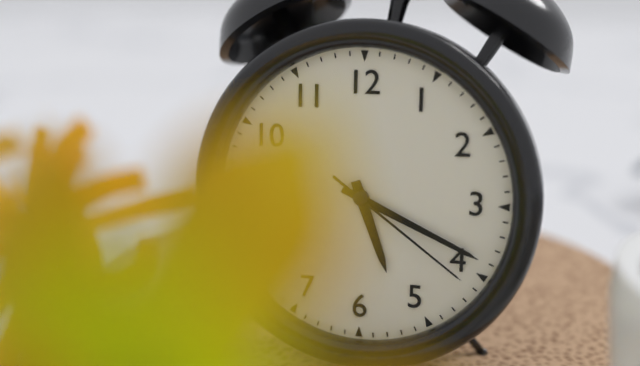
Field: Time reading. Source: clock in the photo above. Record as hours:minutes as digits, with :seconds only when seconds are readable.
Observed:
5:19:21
